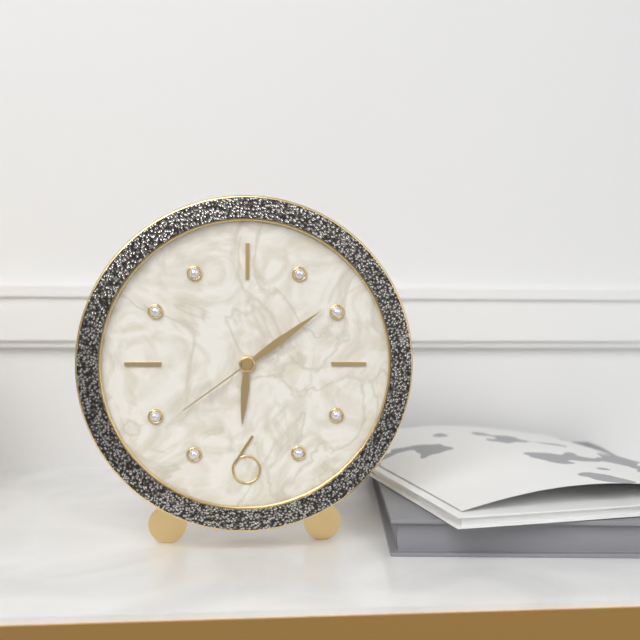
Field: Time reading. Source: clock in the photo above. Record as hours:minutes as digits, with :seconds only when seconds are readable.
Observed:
6:09:39
